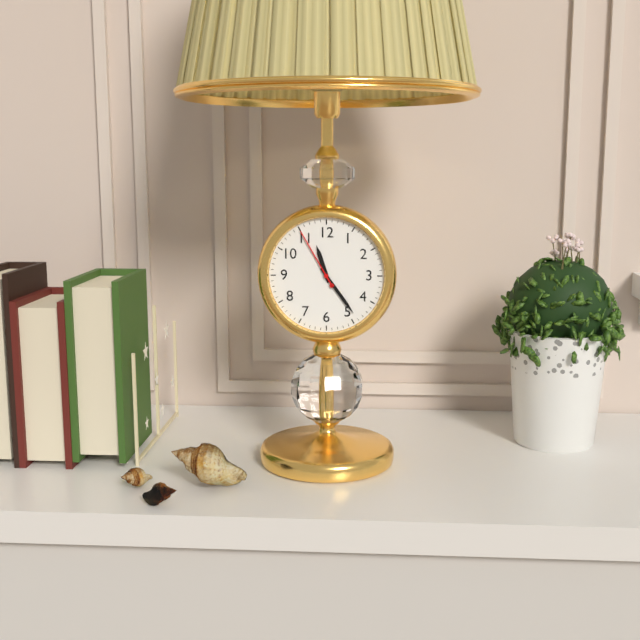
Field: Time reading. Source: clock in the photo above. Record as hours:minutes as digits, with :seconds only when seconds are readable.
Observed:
11:24:55
